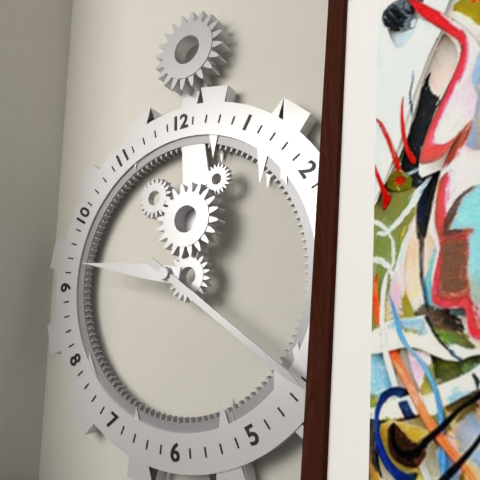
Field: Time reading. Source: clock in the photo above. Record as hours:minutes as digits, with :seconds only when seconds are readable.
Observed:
9:21
